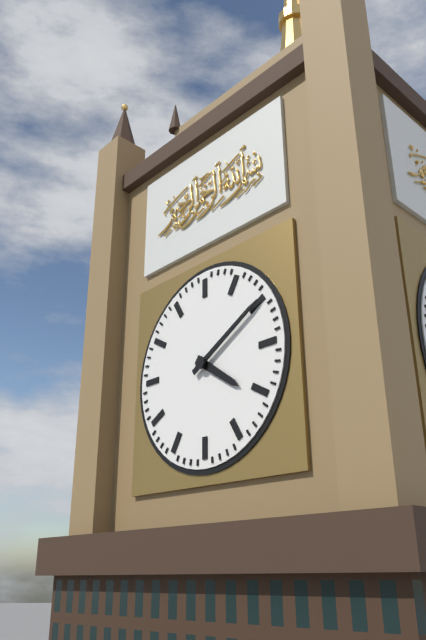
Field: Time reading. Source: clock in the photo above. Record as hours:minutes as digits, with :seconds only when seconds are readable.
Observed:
4:10
